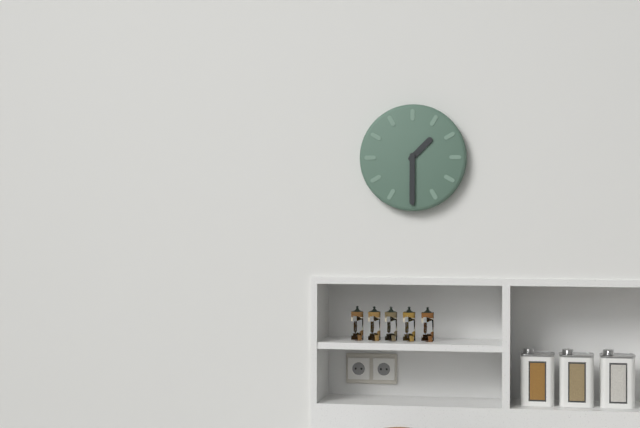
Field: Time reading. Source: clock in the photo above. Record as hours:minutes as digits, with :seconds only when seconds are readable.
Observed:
1:30
